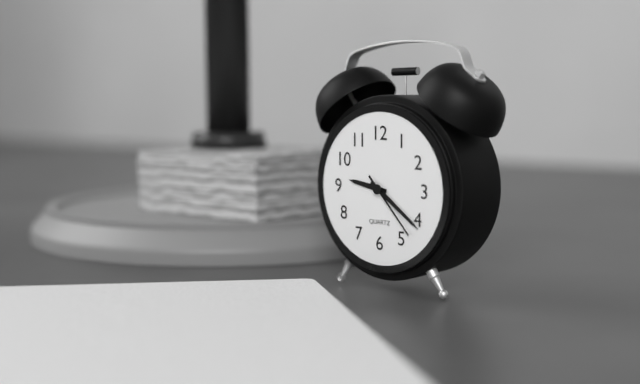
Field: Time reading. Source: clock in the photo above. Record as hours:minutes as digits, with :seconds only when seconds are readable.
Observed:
9:21:23
